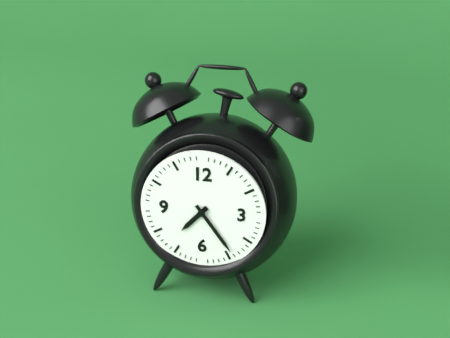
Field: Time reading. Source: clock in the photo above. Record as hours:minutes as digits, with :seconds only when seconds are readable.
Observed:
7:24
